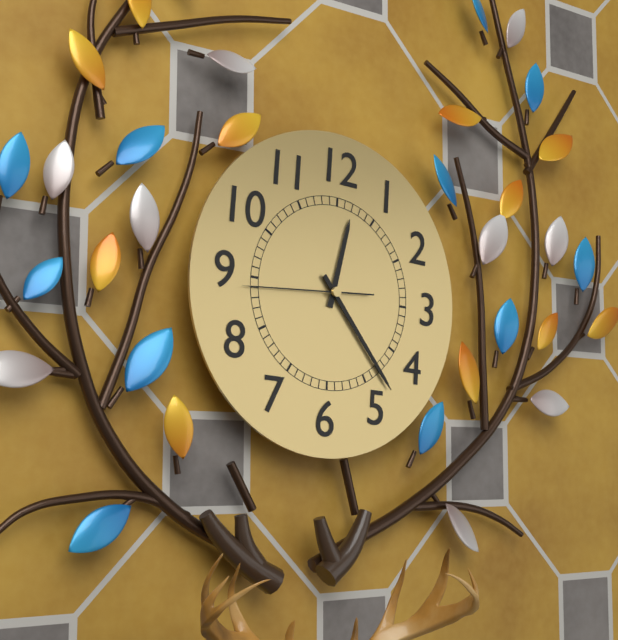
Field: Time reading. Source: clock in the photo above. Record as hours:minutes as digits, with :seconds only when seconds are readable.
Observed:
12:23:44
